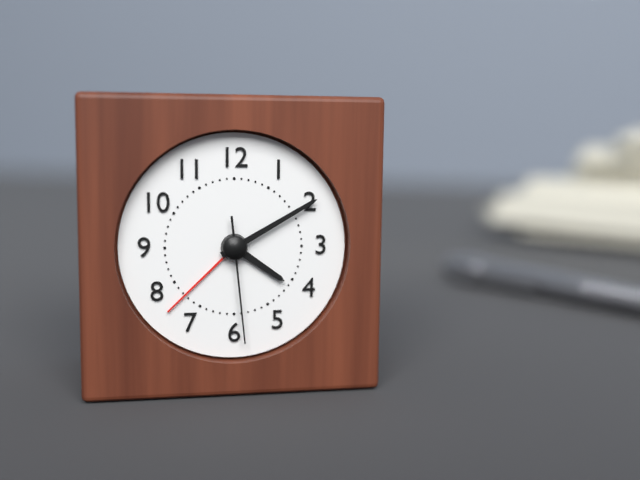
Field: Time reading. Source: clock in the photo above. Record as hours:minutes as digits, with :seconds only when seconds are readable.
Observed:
4:10:29
